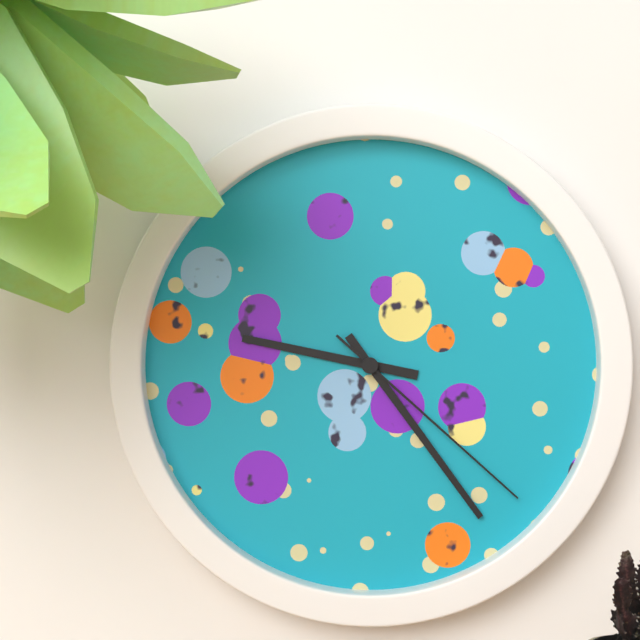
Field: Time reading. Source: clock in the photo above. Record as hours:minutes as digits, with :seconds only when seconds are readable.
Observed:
9:24:22
